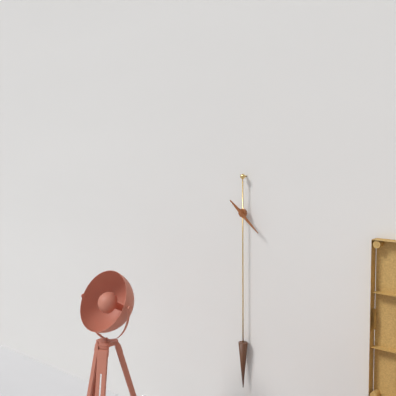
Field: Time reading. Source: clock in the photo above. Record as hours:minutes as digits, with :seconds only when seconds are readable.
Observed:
10:22
